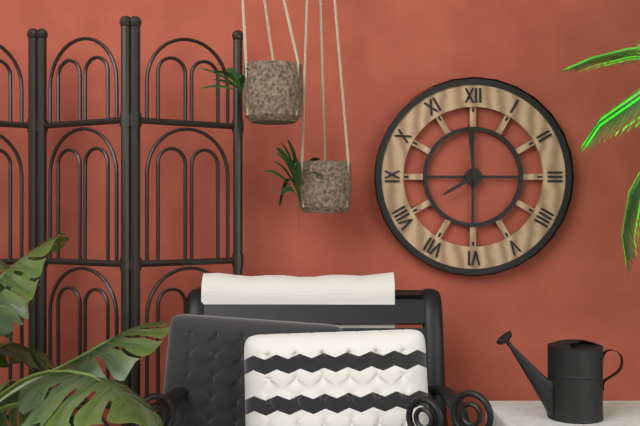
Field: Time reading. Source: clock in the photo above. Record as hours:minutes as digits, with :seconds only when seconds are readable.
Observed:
7:59
